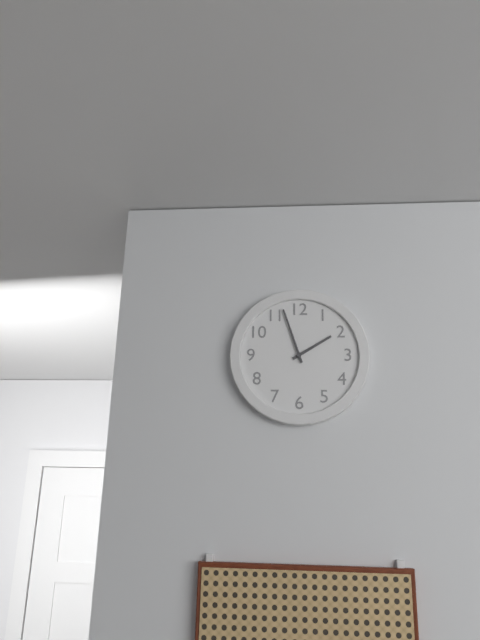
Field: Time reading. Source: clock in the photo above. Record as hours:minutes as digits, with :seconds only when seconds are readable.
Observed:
1:57
